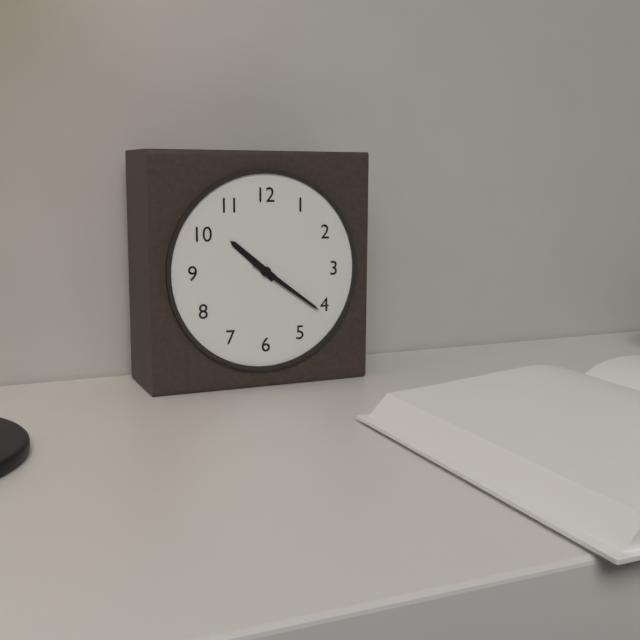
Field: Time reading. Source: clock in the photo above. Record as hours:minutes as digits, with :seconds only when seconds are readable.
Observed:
10:21
